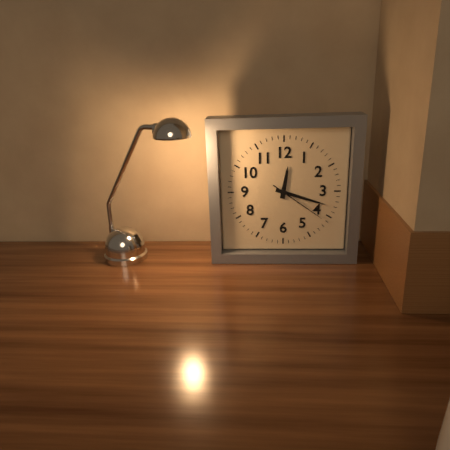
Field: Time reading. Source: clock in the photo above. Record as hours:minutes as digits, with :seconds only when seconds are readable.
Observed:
12:18:21
